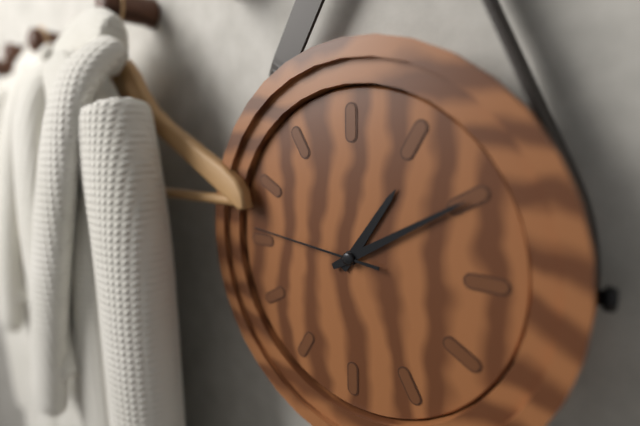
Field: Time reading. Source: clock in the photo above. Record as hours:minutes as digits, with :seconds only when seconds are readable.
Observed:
1:10:46
